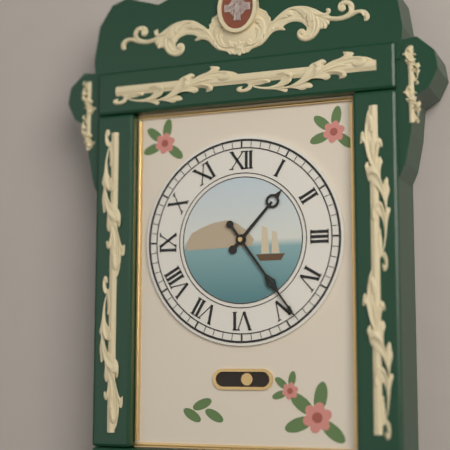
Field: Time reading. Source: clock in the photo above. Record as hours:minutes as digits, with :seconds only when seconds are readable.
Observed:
1:24
